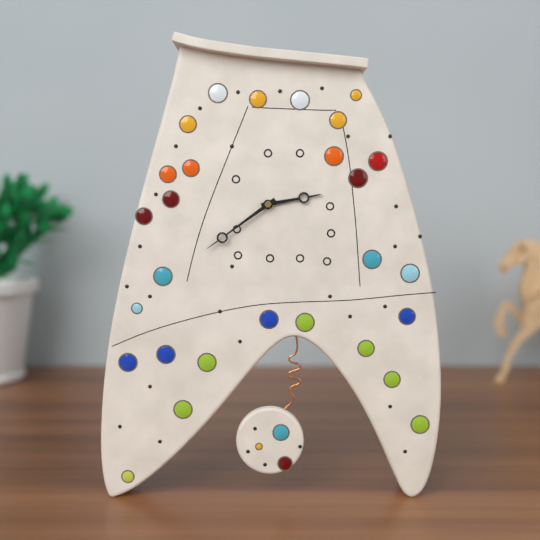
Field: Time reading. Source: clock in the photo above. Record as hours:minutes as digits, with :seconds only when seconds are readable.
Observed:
2:39
